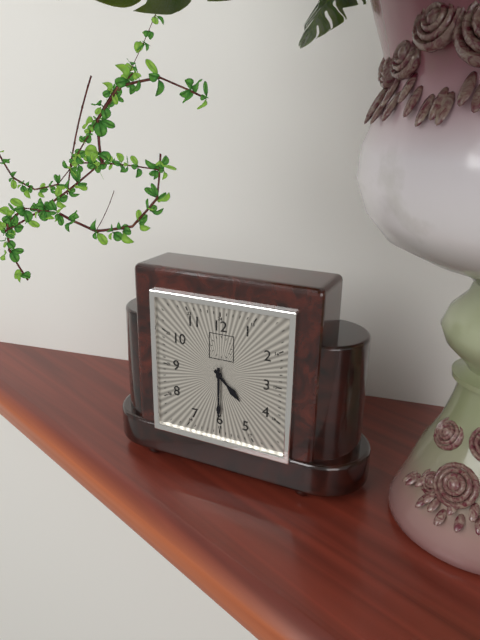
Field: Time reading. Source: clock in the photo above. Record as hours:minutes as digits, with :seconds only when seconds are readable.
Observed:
4:30
